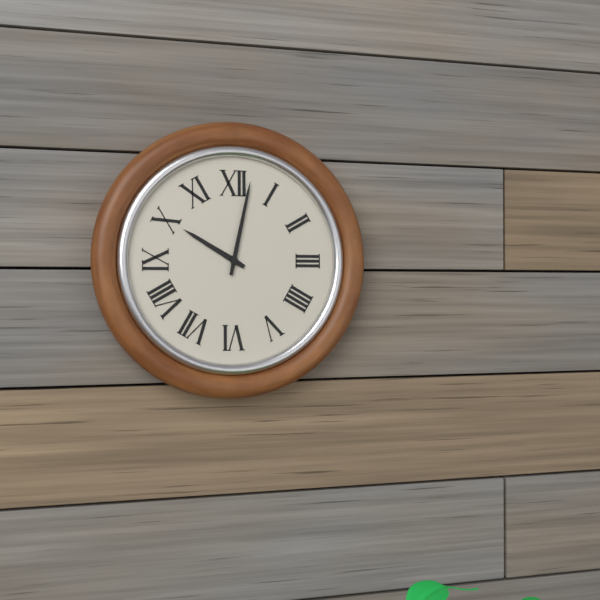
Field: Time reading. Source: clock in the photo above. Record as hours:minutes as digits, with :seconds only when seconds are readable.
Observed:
10:02
